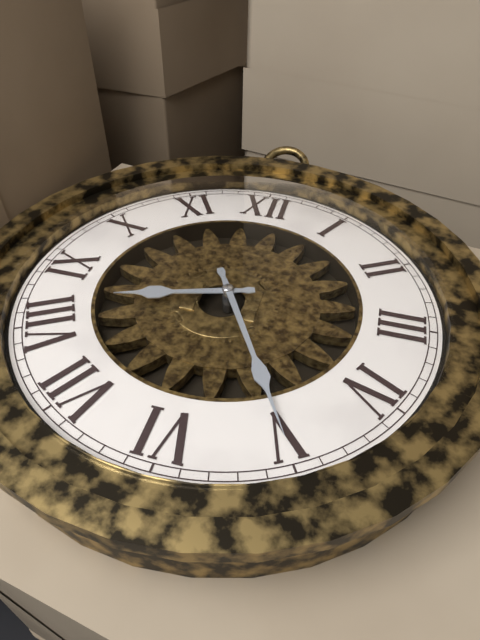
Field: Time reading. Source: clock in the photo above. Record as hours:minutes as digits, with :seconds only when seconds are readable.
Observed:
8:25
